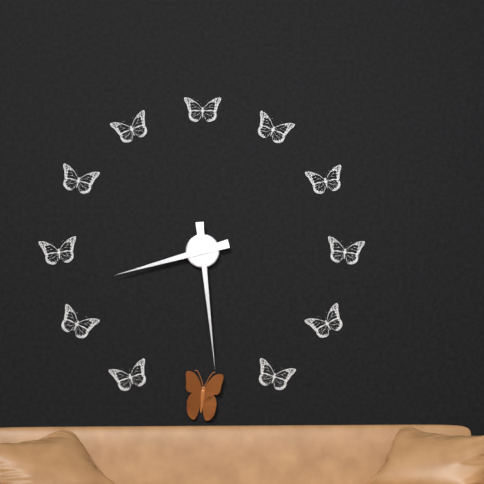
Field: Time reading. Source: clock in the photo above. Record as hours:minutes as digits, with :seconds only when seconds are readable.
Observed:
8:29
